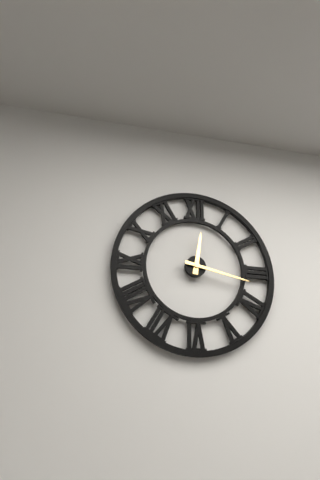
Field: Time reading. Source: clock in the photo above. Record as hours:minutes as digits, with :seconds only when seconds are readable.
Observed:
12:17
